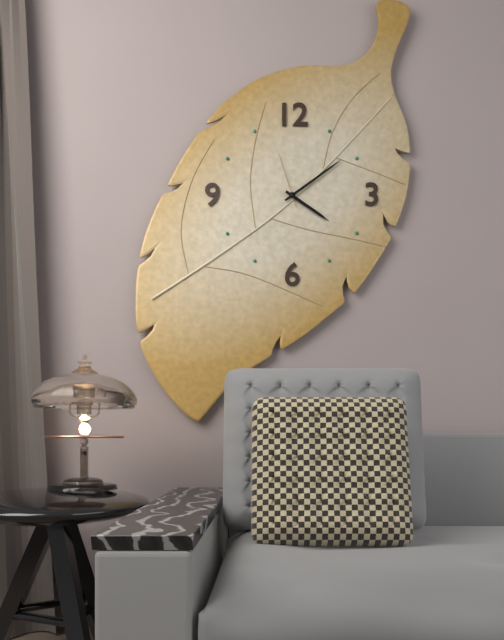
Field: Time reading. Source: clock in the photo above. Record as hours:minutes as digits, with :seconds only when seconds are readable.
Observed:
4:09:57
